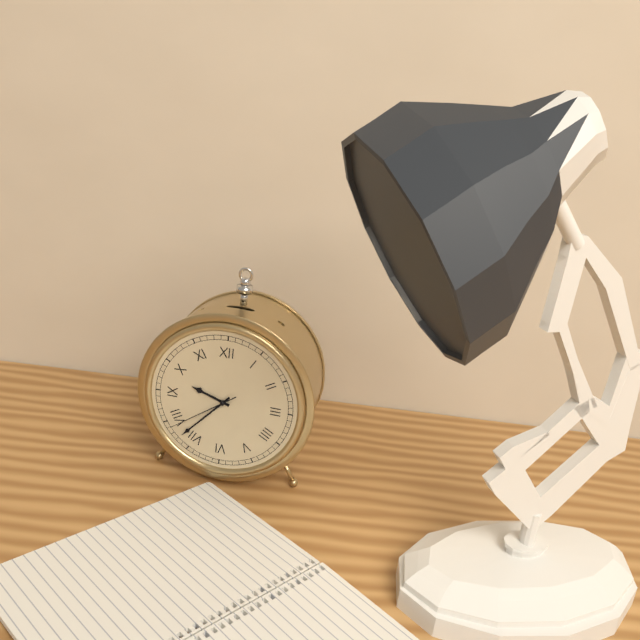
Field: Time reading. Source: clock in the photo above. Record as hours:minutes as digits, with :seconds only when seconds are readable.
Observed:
9:37:39
